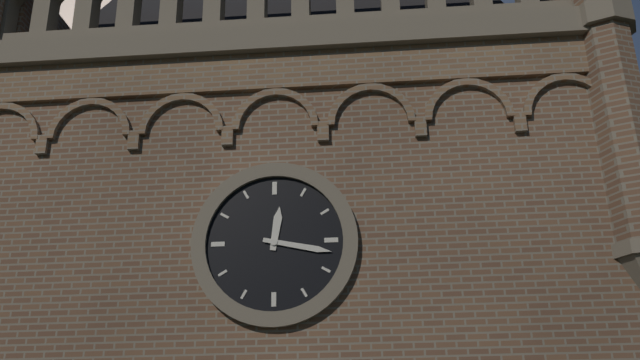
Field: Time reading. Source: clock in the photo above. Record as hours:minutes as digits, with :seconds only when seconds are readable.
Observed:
12:17
